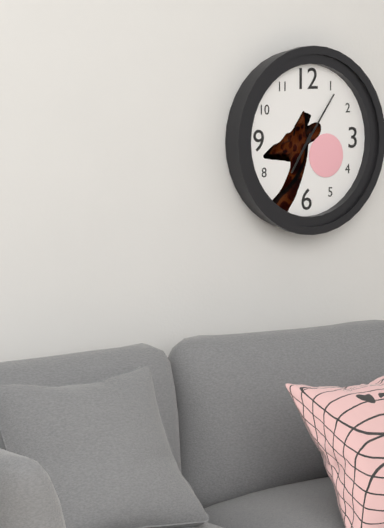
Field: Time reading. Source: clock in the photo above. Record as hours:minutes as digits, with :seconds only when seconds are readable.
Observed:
7:06
